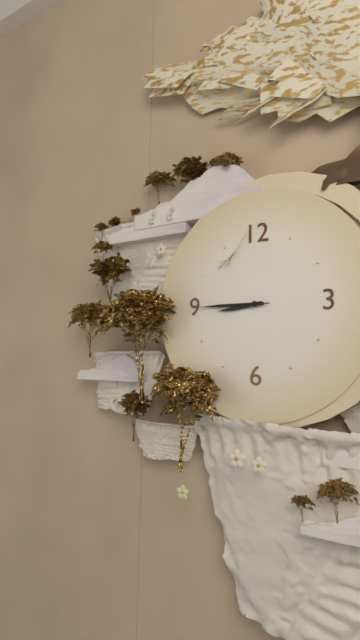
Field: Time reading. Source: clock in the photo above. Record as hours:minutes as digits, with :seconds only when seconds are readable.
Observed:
8:45:45
